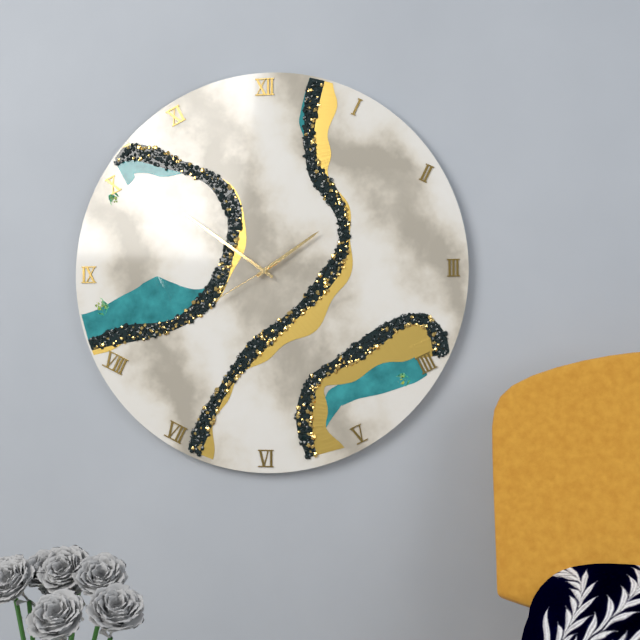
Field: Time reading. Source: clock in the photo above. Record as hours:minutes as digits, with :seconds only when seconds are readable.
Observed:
1:51:40
